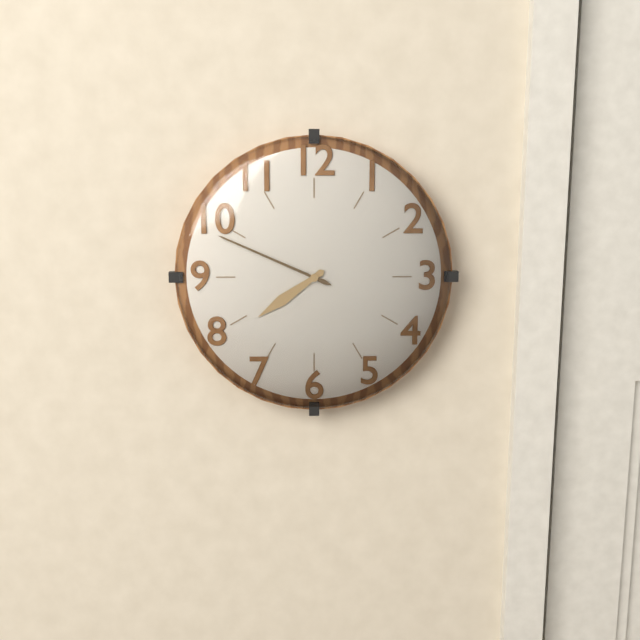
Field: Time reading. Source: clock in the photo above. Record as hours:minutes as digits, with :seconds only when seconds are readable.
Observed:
7:49
